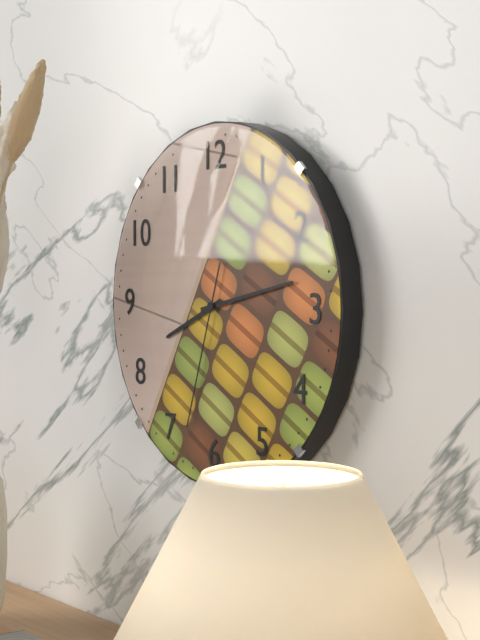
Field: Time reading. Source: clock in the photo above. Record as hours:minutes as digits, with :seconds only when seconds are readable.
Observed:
8:13:33
